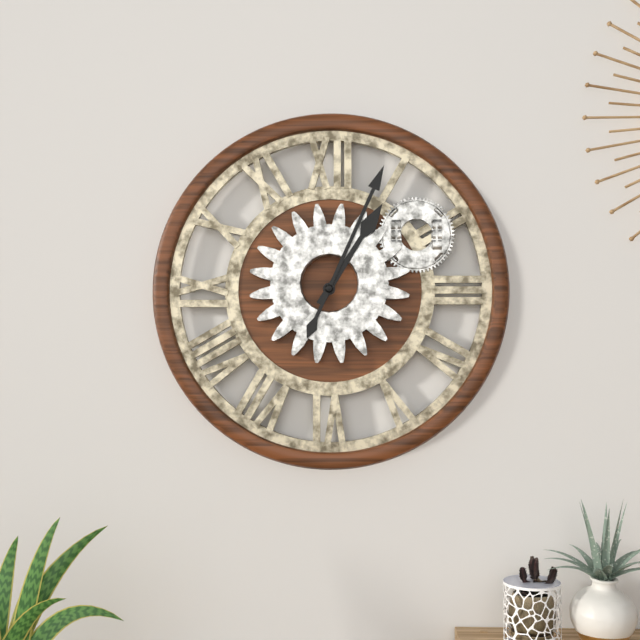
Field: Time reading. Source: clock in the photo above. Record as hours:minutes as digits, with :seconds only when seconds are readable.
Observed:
1:04
